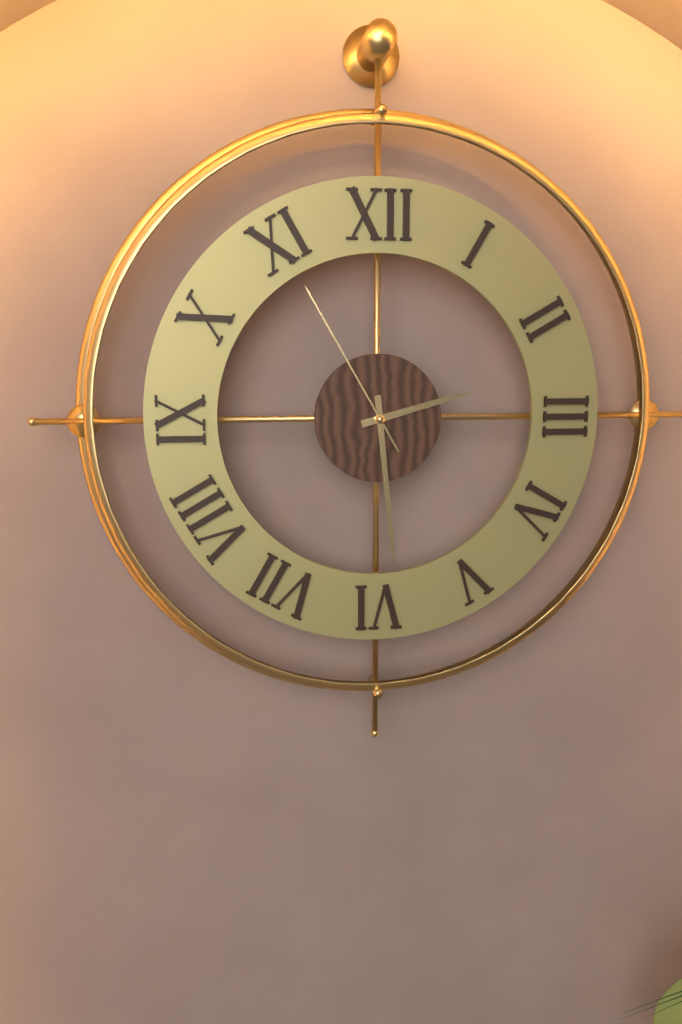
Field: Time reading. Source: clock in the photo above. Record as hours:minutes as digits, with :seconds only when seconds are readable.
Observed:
2:29:55
